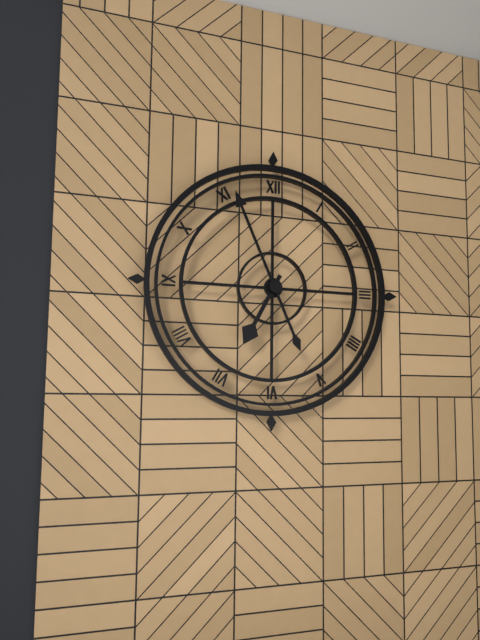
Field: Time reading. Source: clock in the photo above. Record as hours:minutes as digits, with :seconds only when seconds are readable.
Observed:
6:56
